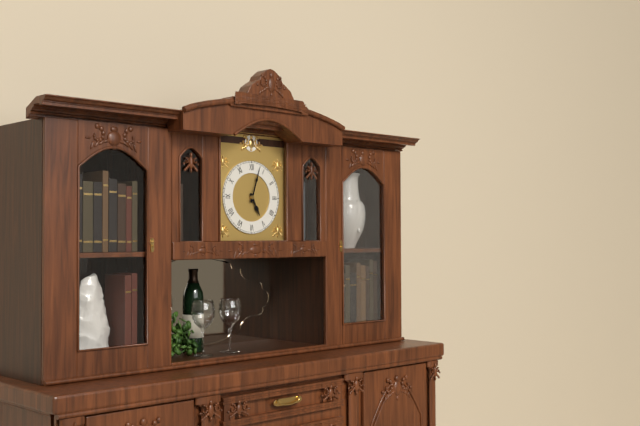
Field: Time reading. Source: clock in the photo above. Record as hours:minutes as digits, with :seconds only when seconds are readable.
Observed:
5:03
